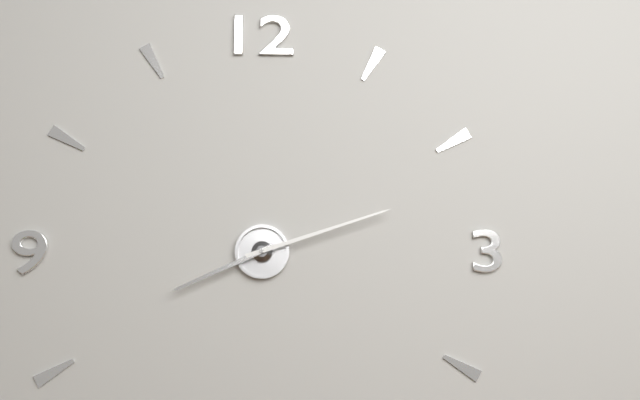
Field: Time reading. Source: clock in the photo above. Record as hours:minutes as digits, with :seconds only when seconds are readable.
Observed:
8:12
